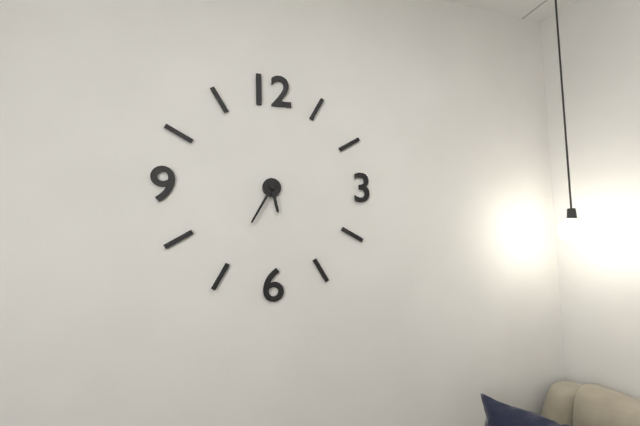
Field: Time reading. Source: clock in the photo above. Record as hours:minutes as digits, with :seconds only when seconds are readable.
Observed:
5:35
